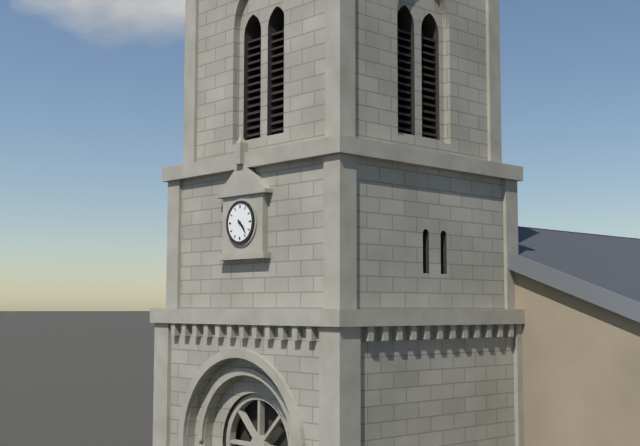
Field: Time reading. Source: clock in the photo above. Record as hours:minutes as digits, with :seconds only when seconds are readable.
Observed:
4:23
